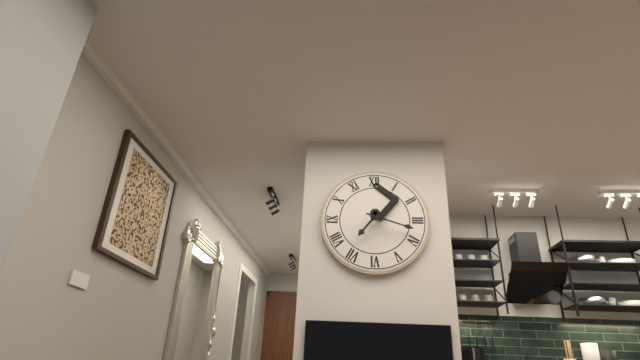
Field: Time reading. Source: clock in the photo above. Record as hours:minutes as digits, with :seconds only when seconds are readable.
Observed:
7:18
